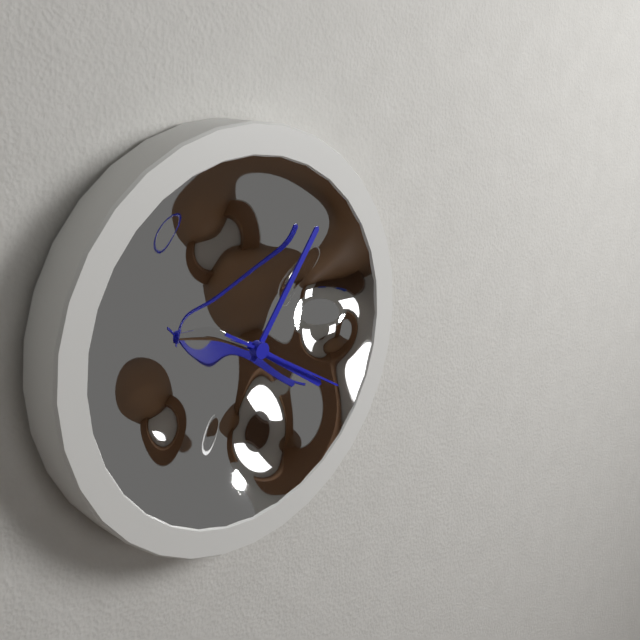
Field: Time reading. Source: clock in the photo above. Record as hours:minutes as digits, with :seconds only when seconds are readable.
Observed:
4:06:20
